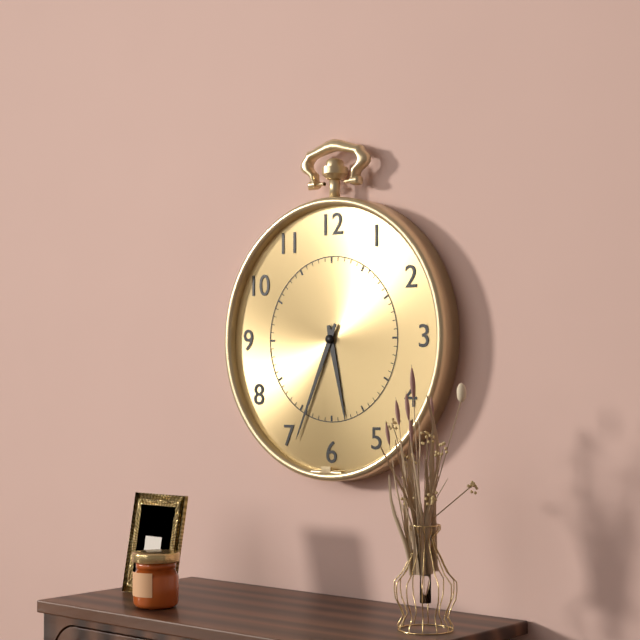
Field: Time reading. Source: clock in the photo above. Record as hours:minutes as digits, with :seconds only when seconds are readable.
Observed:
5:34
